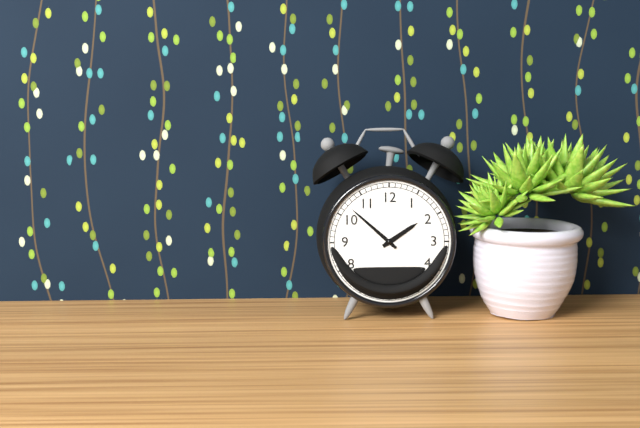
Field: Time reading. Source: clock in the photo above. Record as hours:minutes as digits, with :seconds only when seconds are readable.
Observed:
1:52
